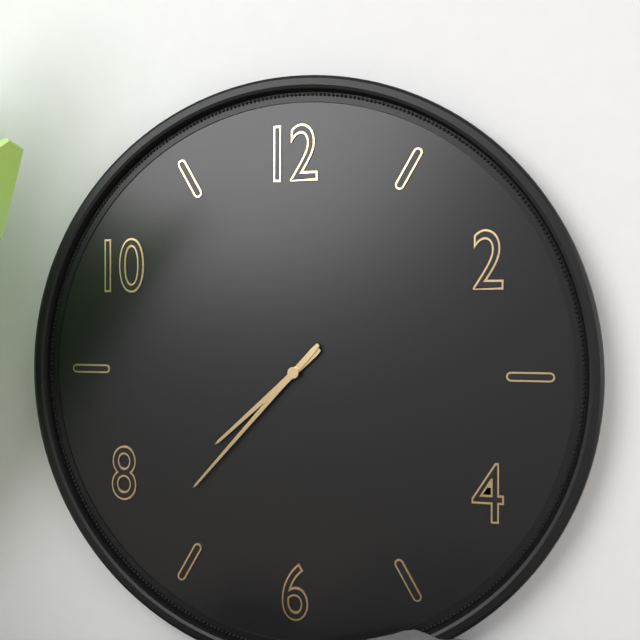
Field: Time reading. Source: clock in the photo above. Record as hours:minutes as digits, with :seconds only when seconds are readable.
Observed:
7:37
